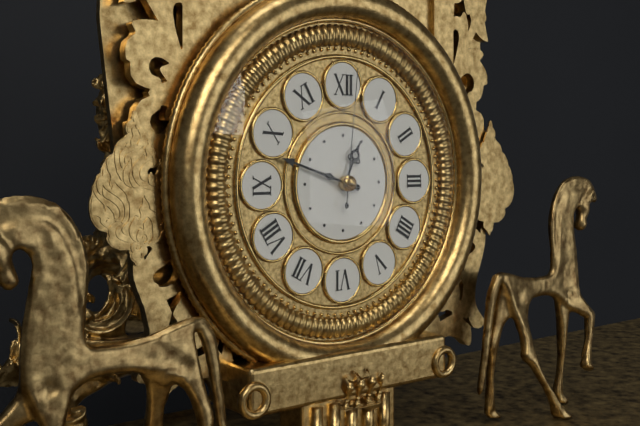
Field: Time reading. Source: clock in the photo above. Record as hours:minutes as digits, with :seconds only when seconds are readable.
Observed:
12:48:01
